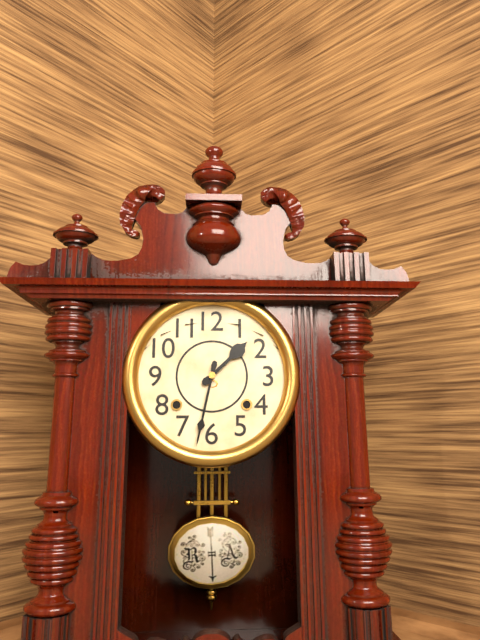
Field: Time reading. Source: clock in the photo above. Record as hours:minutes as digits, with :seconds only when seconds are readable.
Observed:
1:32
